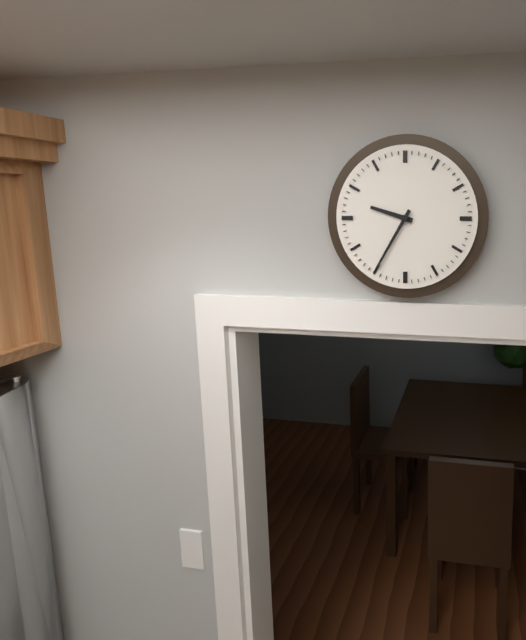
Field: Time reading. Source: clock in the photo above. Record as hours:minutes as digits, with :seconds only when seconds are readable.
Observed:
9:35
